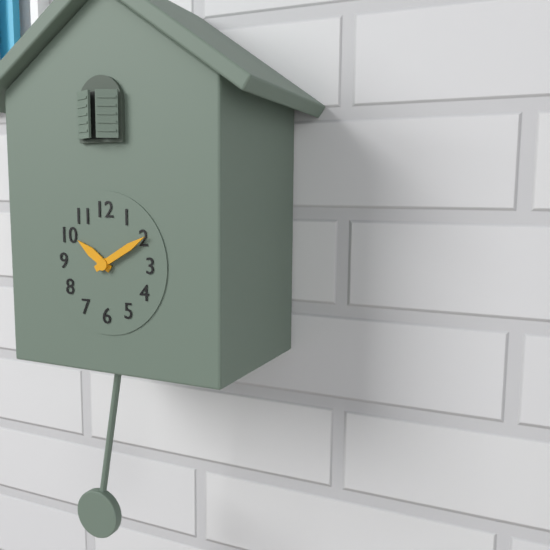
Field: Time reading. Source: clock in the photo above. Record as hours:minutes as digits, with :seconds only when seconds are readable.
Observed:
10:10
